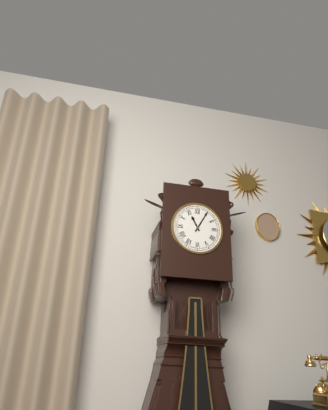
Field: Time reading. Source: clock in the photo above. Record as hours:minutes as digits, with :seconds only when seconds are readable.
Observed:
11:05
